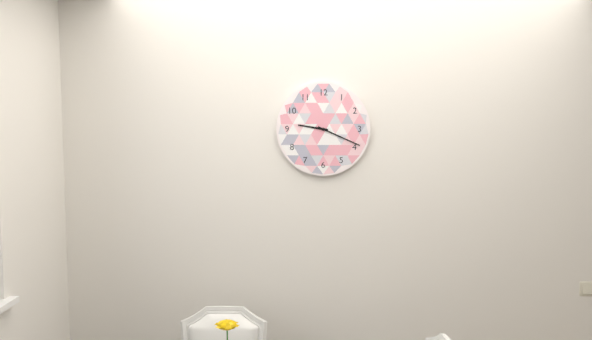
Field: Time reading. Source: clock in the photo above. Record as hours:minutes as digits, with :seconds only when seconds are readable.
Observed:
9:19
